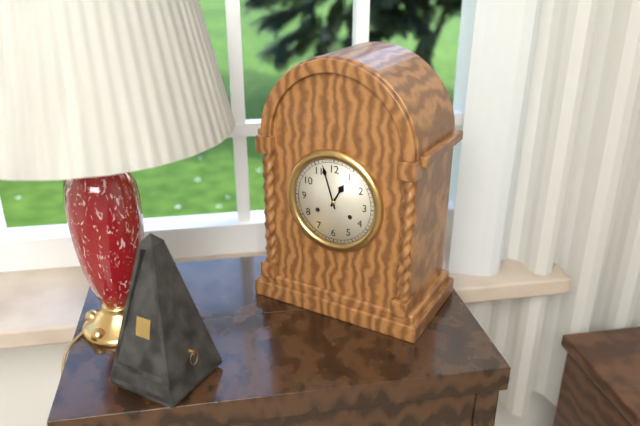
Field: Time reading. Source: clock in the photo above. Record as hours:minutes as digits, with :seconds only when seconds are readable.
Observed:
12:57
